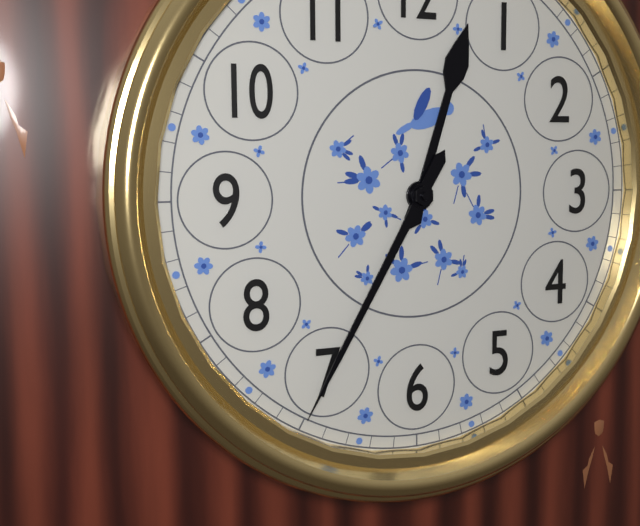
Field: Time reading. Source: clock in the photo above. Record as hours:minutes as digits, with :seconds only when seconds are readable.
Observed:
12:35
